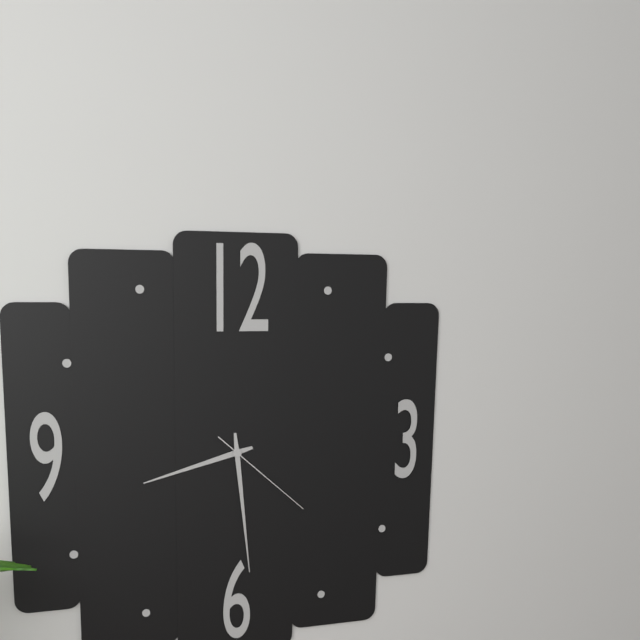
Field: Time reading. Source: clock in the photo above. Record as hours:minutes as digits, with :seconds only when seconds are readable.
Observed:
8:29:22
